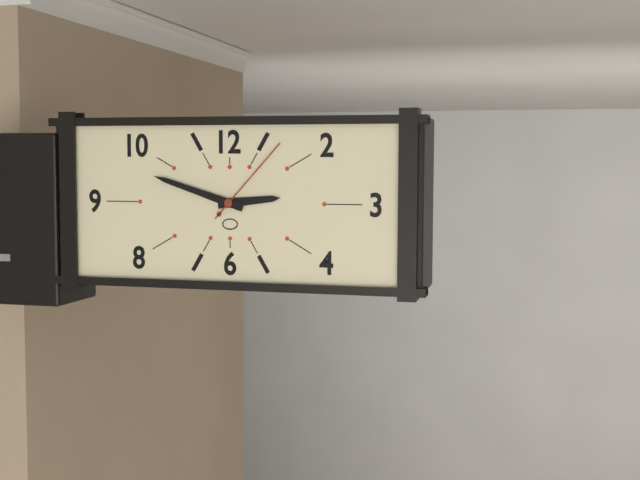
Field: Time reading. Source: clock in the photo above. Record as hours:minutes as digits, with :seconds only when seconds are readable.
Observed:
2:48:07
